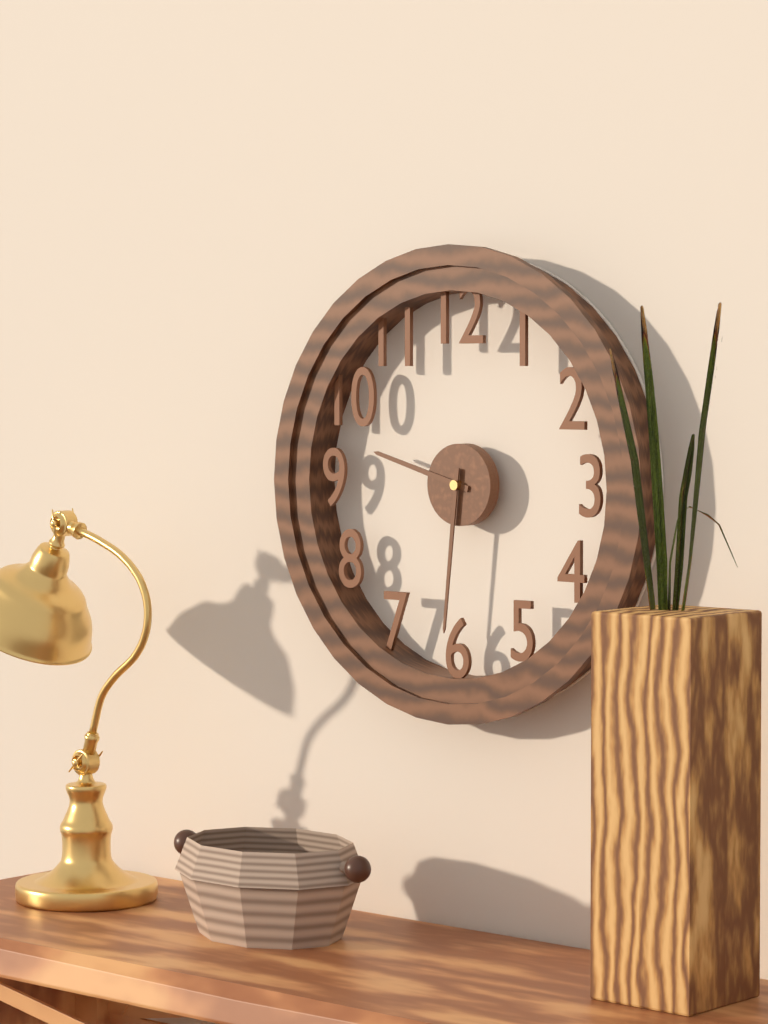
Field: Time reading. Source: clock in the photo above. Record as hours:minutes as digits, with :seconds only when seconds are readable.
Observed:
9:31
